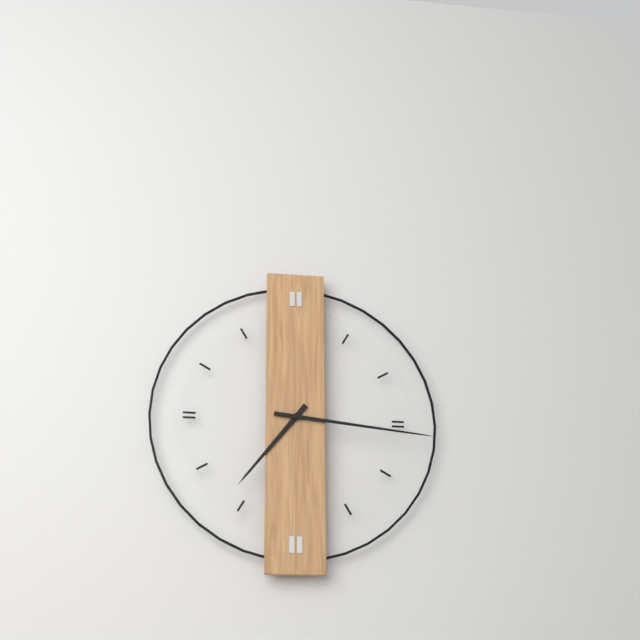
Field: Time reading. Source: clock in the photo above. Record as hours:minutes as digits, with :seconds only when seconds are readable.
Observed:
7:16
